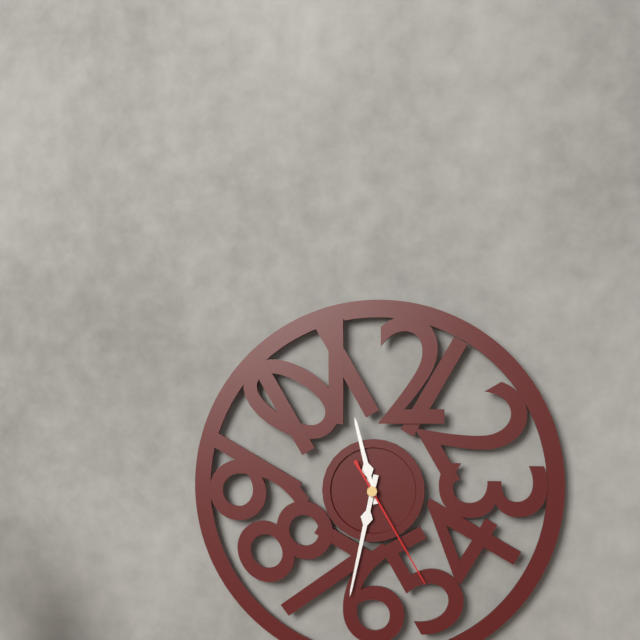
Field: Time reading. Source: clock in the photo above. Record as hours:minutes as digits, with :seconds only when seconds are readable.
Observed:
11:32:25
